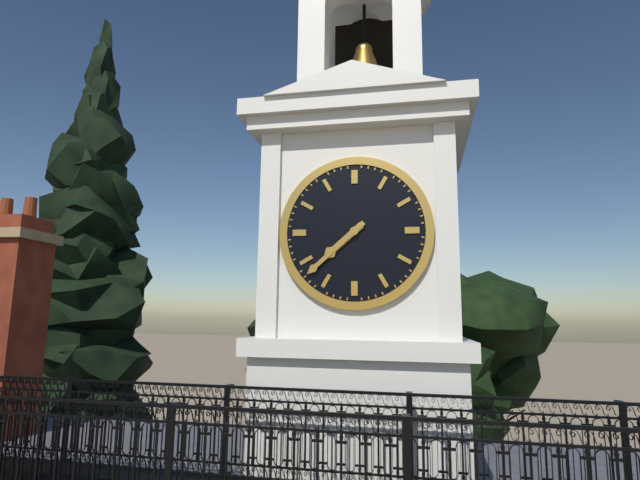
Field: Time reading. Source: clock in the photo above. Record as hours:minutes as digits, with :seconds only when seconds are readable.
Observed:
7:38
